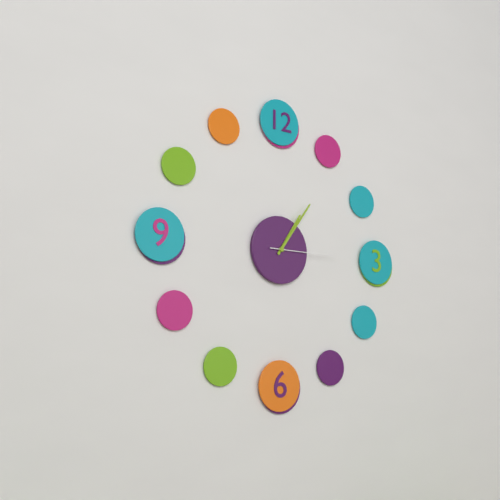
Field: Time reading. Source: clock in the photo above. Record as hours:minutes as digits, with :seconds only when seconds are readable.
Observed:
1:06:15
